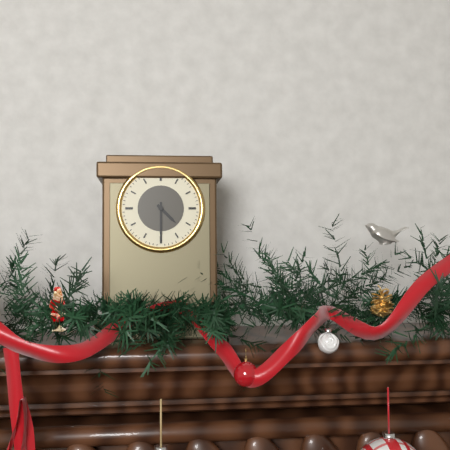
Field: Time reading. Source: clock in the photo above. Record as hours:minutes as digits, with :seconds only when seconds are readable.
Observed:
4:30
